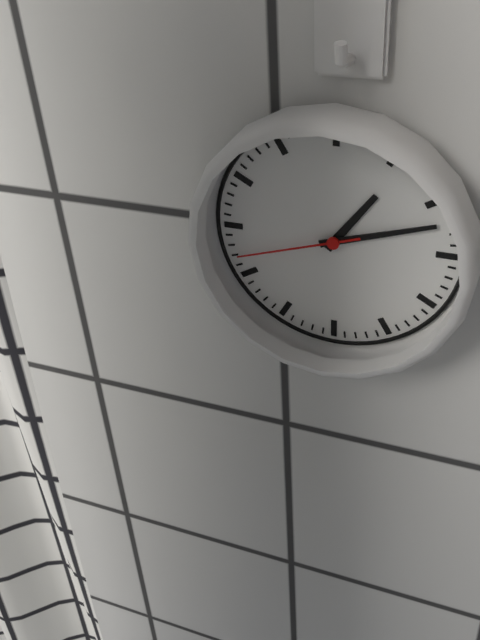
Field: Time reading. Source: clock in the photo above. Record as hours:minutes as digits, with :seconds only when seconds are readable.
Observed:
1:12:42
